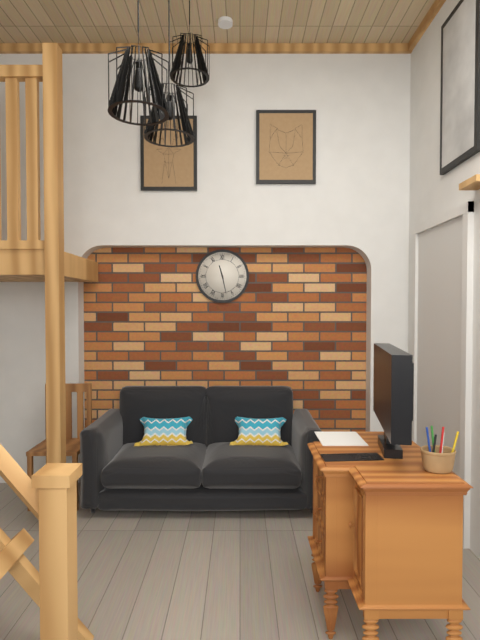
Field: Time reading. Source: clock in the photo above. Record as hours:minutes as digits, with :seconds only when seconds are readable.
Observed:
11:28
